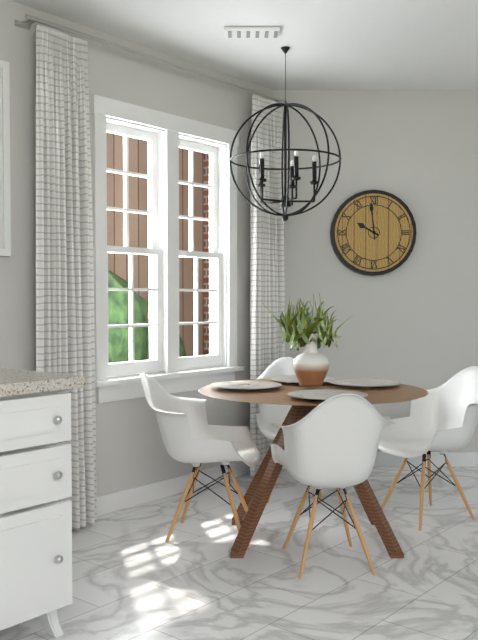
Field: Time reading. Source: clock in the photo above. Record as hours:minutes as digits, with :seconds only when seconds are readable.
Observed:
9:59
